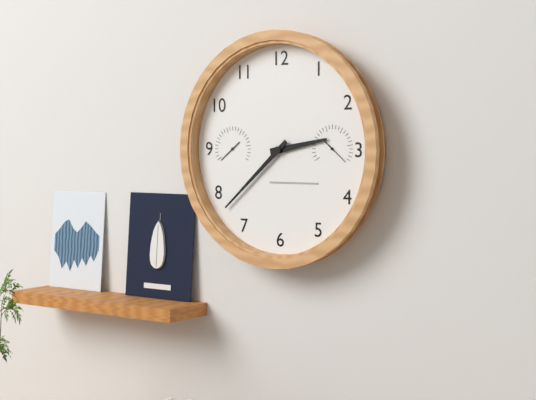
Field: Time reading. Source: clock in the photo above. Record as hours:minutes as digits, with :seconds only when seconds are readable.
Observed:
2:38
